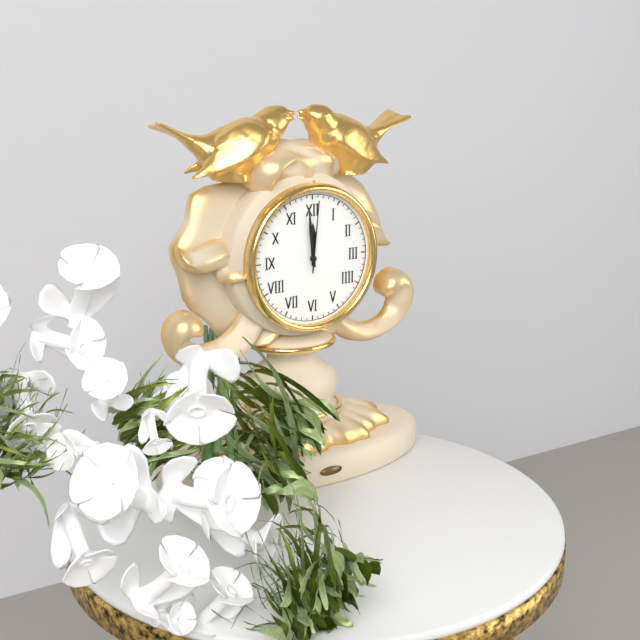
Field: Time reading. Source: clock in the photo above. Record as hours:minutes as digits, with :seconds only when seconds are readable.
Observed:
11:59:01
